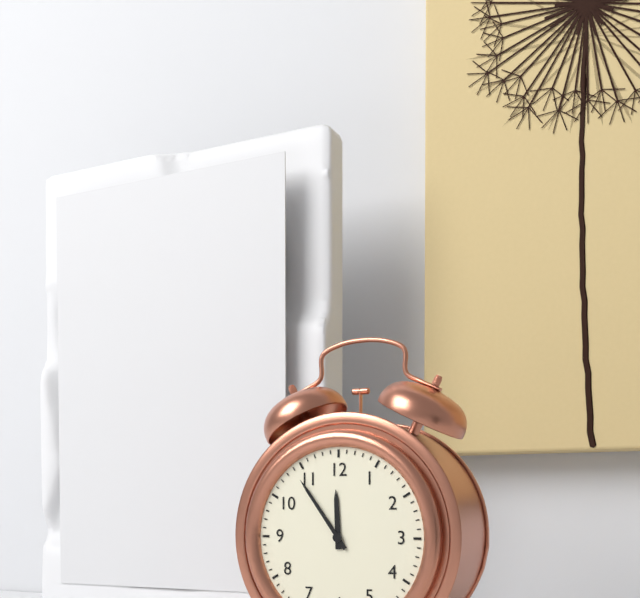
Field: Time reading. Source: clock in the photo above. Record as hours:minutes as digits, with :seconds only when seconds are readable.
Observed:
11:54
